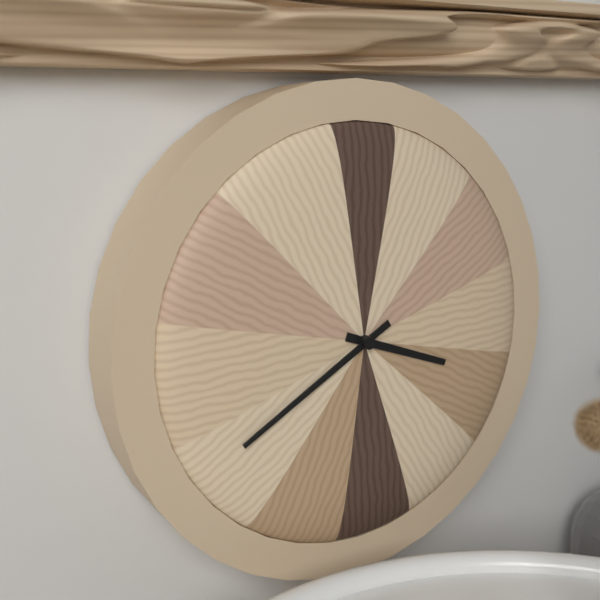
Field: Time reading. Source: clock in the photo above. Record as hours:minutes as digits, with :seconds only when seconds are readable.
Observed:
3:40
